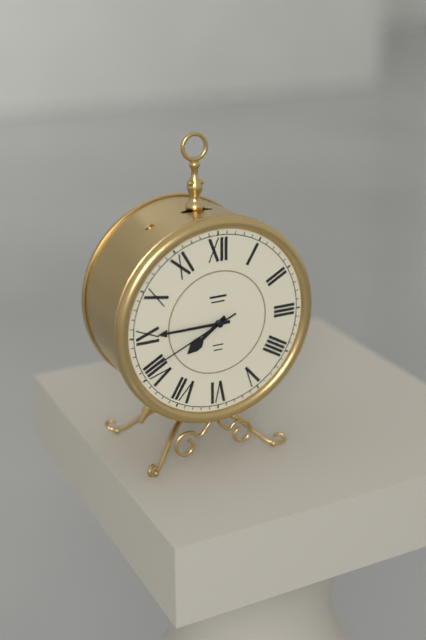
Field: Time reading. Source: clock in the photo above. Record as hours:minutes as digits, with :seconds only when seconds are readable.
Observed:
7:45:41
